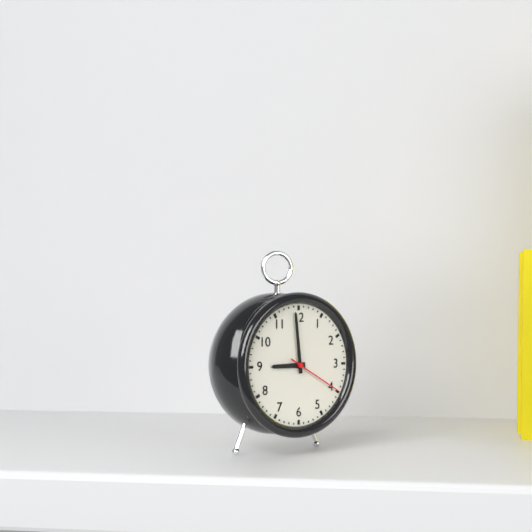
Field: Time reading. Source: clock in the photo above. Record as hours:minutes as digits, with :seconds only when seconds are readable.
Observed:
8:59:20
